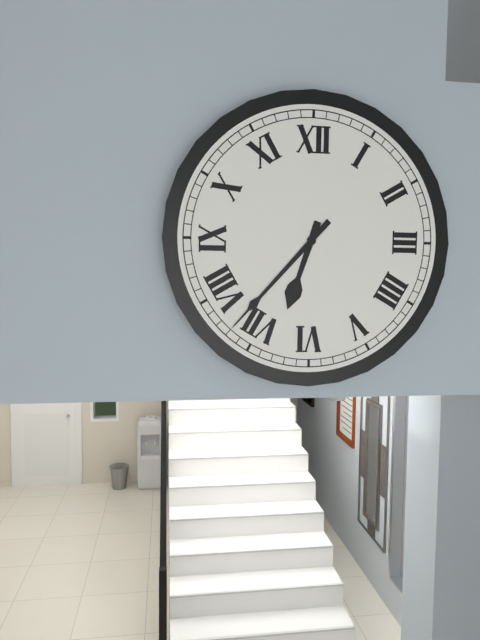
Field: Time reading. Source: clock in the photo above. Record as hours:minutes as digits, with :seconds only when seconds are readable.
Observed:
6:37
